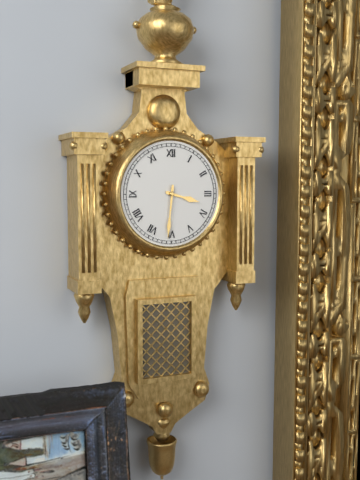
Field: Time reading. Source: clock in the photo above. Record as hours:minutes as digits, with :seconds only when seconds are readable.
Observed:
3:31
